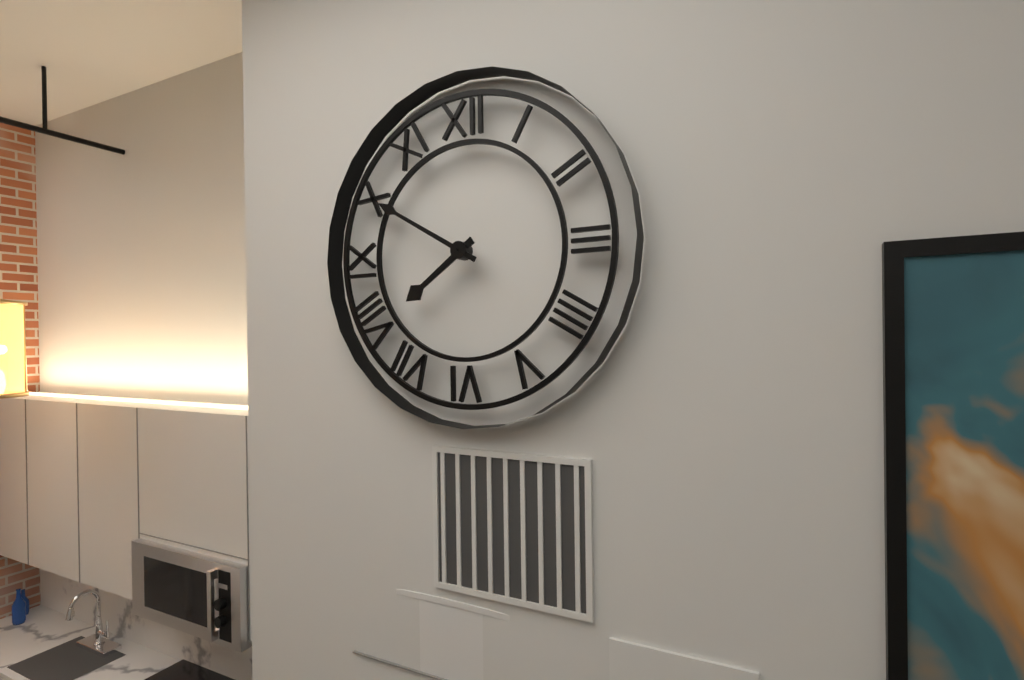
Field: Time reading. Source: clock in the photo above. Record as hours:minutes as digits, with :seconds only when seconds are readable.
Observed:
7:50
